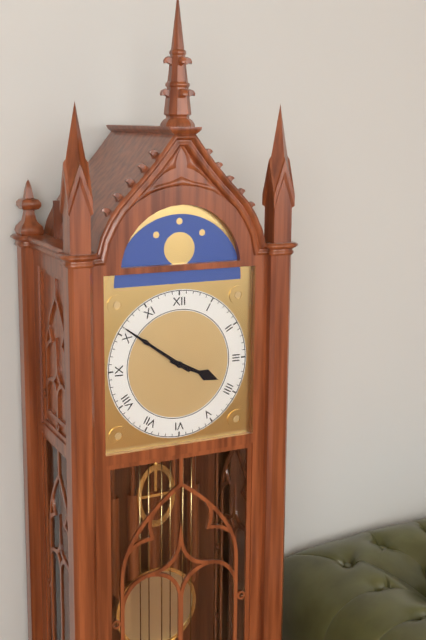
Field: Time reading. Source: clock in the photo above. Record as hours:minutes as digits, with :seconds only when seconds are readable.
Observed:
3:51
